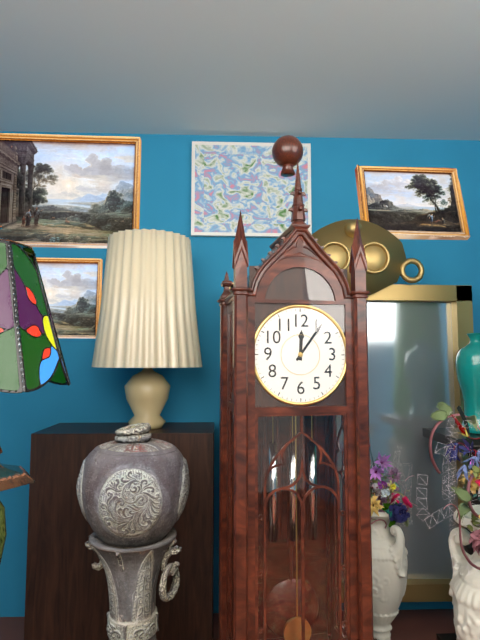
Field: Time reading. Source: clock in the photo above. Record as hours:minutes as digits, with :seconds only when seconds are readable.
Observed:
12:06
